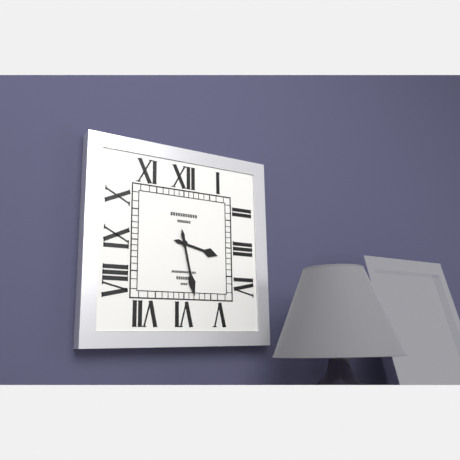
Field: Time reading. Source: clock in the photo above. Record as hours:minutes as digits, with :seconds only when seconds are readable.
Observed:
3:28
